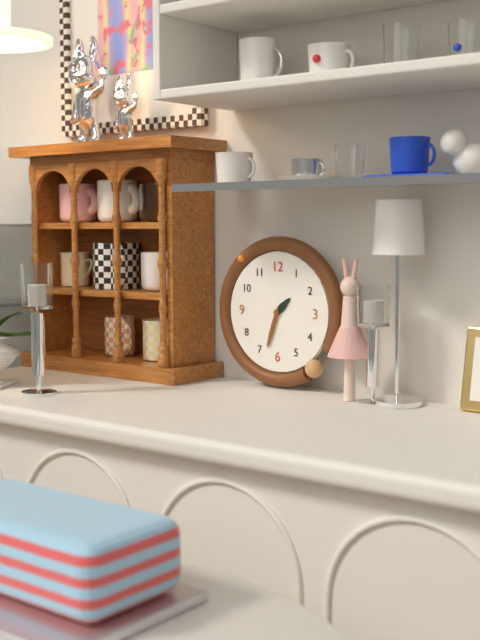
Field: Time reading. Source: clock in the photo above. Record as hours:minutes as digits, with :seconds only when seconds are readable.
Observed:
1:33
